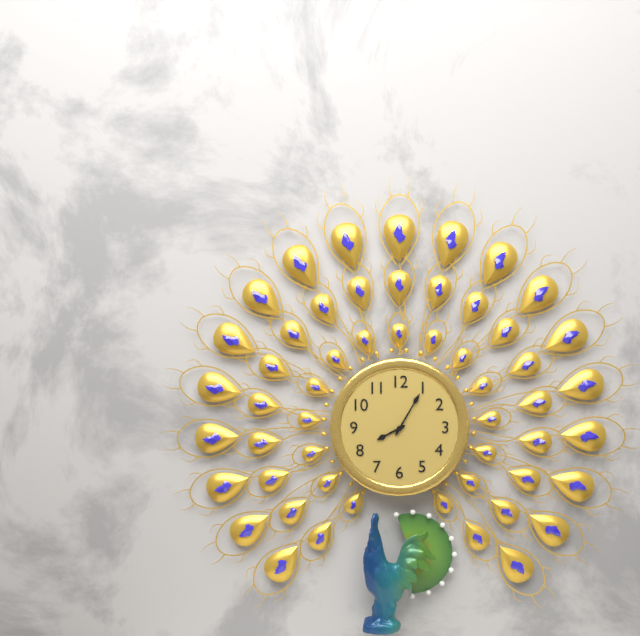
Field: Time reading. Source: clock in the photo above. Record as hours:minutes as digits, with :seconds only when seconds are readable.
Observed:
8:05
